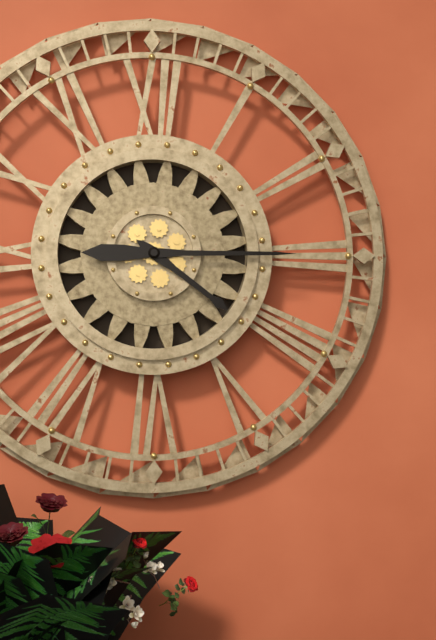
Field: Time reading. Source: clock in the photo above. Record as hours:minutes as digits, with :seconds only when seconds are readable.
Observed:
4:15
